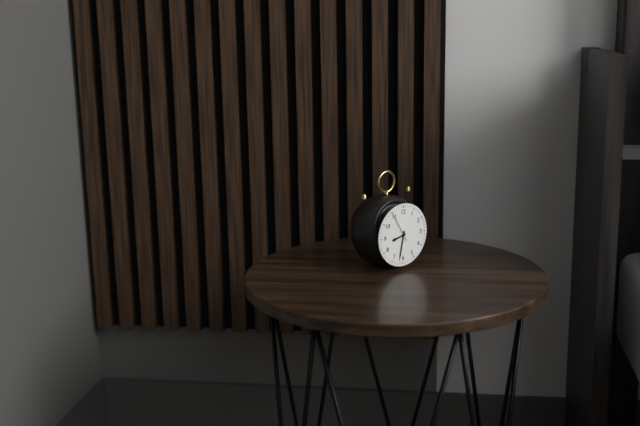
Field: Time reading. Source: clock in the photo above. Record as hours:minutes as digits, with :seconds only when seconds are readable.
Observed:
8:32
